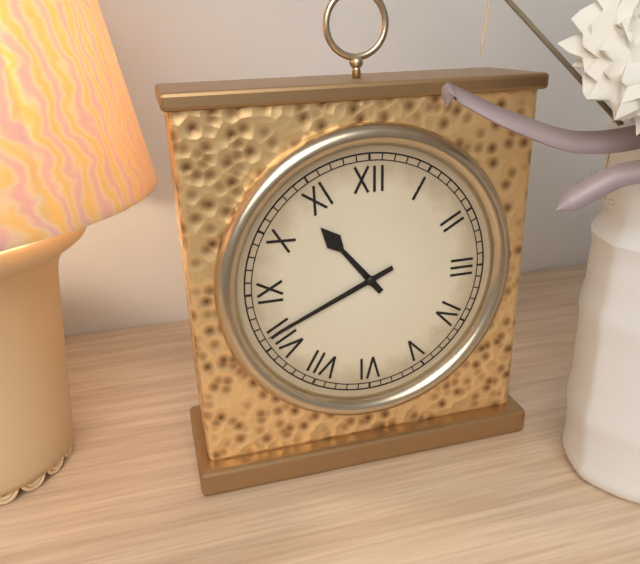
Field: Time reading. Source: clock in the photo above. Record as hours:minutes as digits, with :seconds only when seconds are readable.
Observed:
10:41
